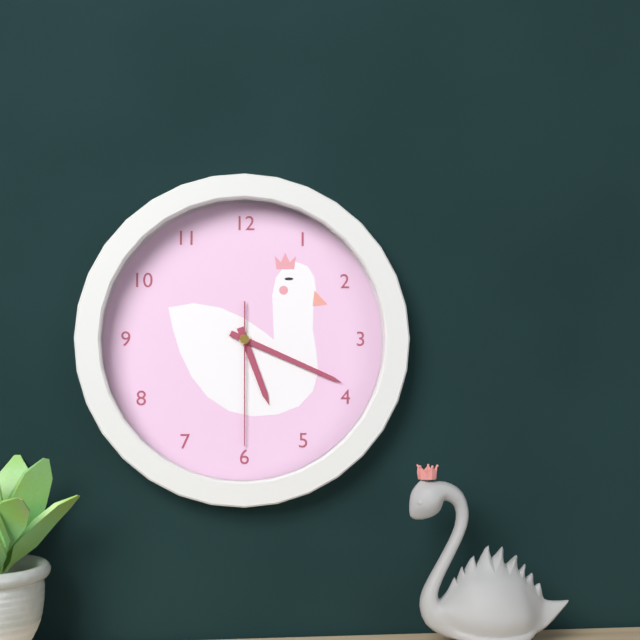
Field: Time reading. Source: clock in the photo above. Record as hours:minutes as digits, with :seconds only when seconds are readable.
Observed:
5:19:30
